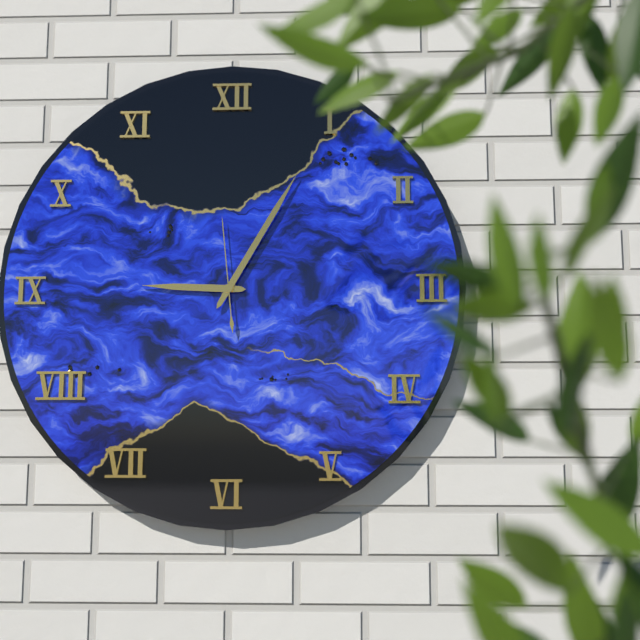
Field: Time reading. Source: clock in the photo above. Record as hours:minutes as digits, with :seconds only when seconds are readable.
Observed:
9:05:59
